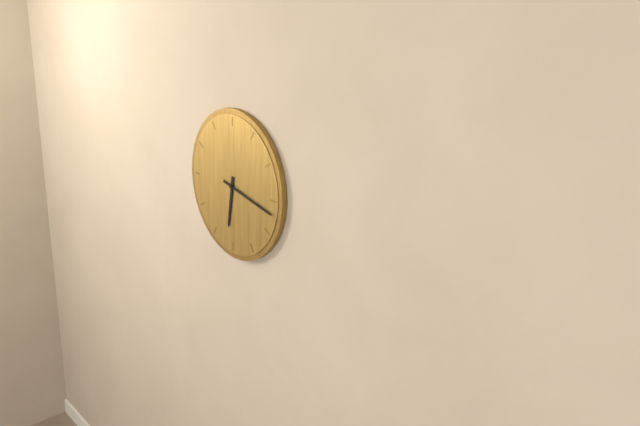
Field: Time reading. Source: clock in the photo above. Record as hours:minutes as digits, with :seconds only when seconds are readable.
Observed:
6:17
